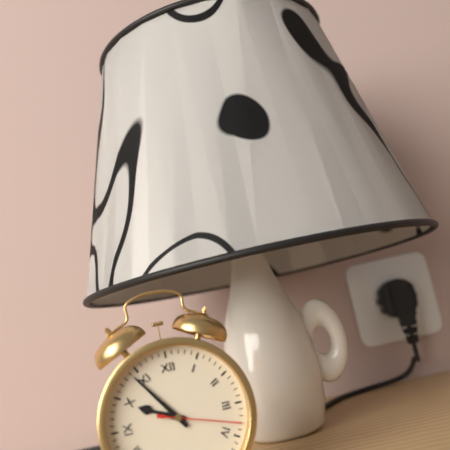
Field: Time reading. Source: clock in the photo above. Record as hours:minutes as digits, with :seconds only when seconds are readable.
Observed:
9:54:18
